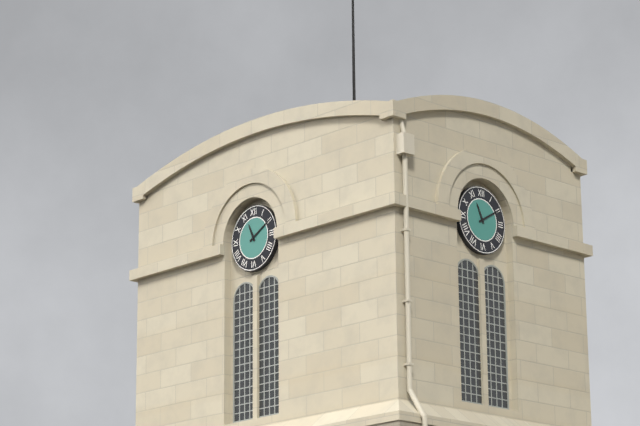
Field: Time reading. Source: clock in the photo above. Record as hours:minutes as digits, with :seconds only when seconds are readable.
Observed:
11:10
